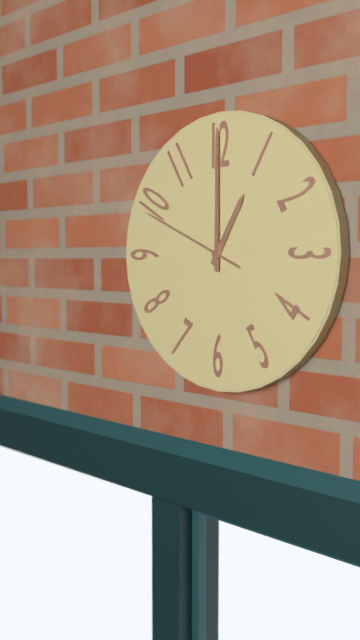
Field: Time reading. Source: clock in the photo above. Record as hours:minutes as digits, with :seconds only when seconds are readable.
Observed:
1:00:49
